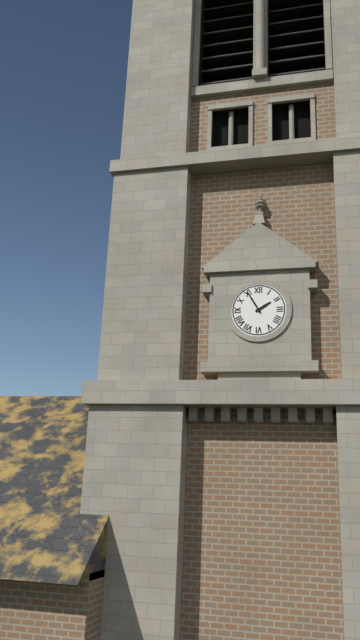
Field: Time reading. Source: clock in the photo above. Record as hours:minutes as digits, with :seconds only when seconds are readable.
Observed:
1:55
